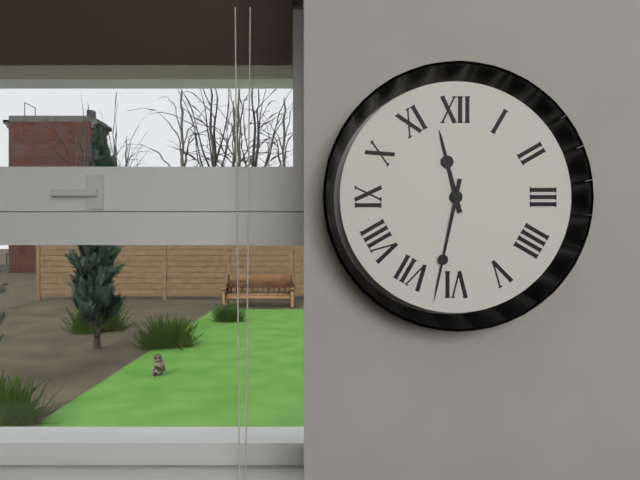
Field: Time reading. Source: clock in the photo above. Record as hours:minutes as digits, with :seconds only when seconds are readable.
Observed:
11:32
